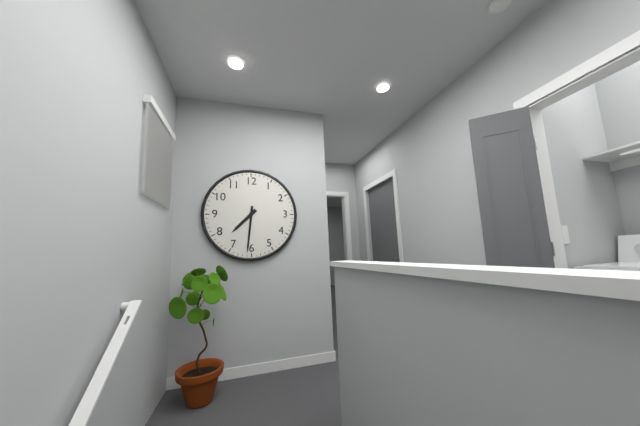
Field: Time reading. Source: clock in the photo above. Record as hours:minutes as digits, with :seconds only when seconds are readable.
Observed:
7:31
